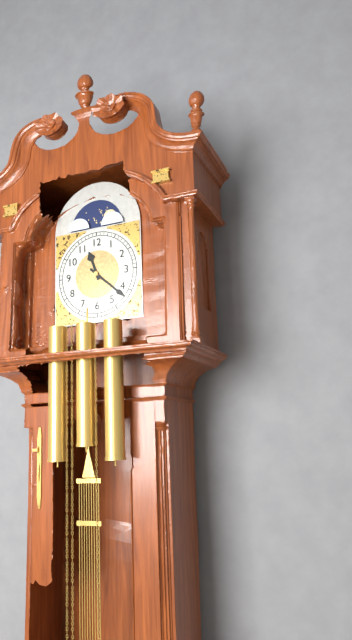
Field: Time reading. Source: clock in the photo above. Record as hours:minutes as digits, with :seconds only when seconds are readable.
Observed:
11:22
